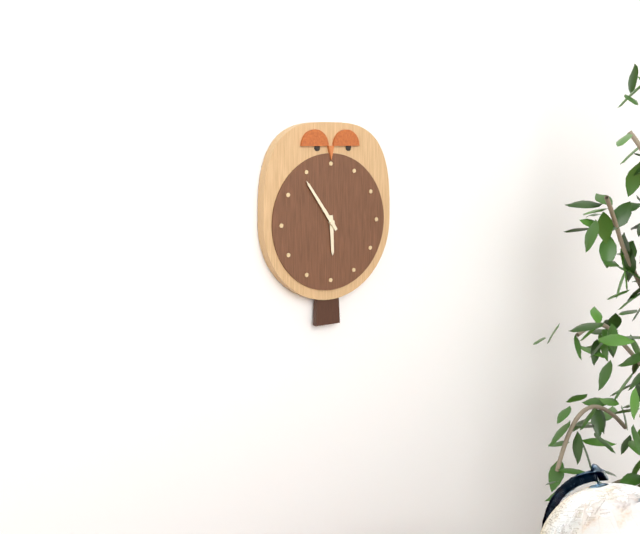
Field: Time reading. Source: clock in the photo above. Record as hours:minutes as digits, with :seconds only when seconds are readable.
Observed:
5:54
